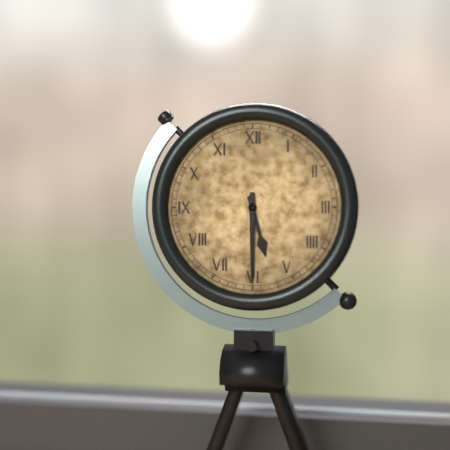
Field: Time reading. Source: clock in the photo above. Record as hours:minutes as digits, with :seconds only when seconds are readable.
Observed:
5:30
